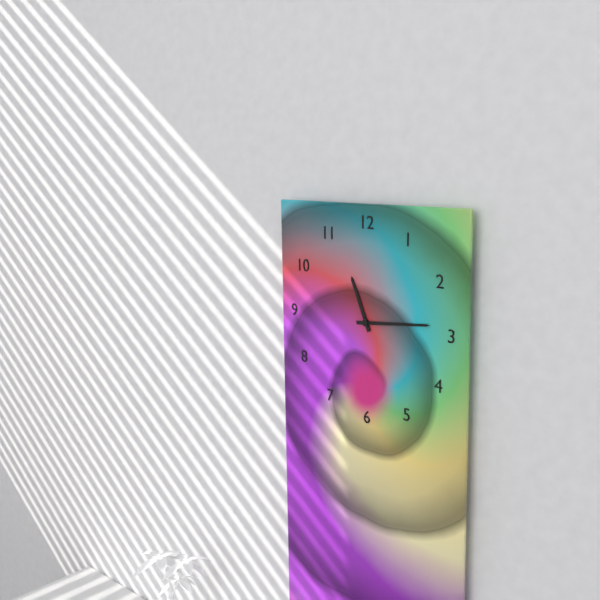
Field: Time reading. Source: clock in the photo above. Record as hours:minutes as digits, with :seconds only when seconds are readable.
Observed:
11:14
